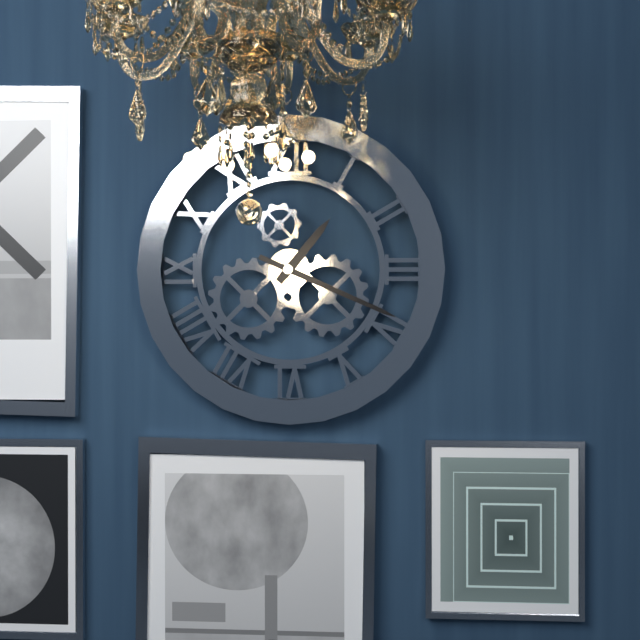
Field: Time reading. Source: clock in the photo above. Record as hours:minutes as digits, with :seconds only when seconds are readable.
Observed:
1:19
